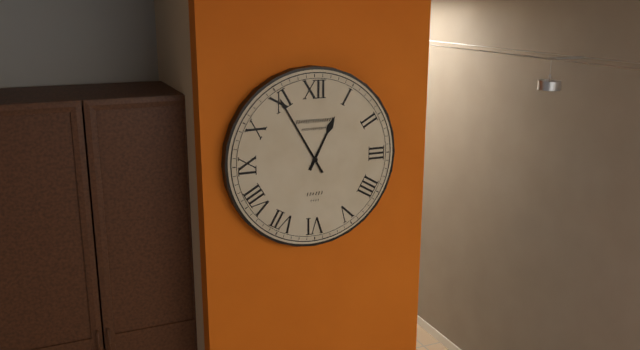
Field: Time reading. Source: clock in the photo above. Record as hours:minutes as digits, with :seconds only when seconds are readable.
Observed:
12:55
